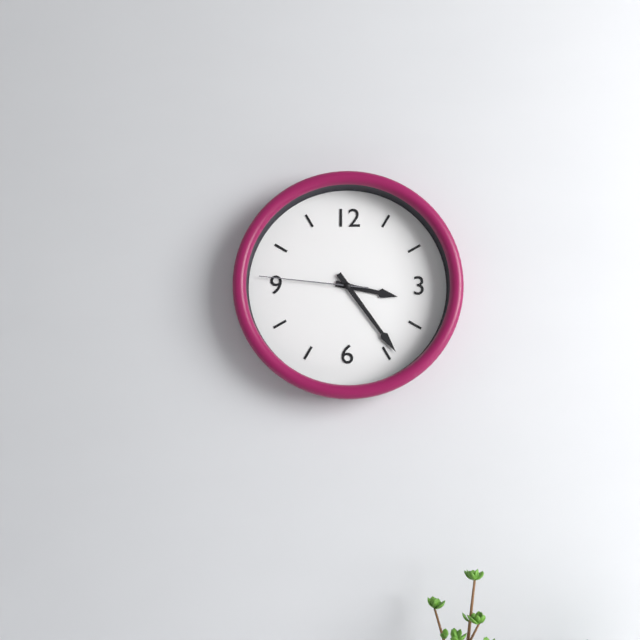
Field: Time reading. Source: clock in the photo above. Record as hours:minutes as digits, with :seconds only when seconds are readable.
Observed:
3:24:46
